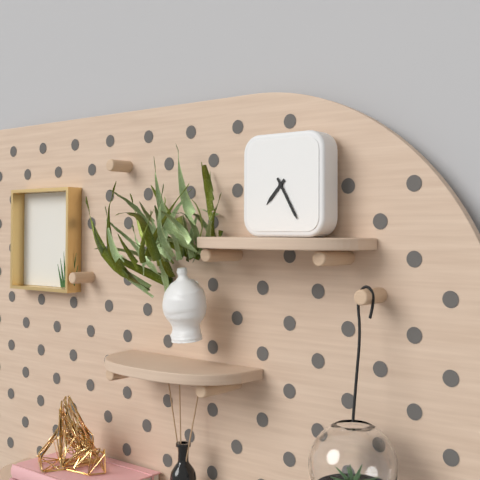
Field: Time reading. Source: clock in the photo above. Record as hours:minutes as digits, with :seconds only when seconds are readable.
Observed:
7:25
